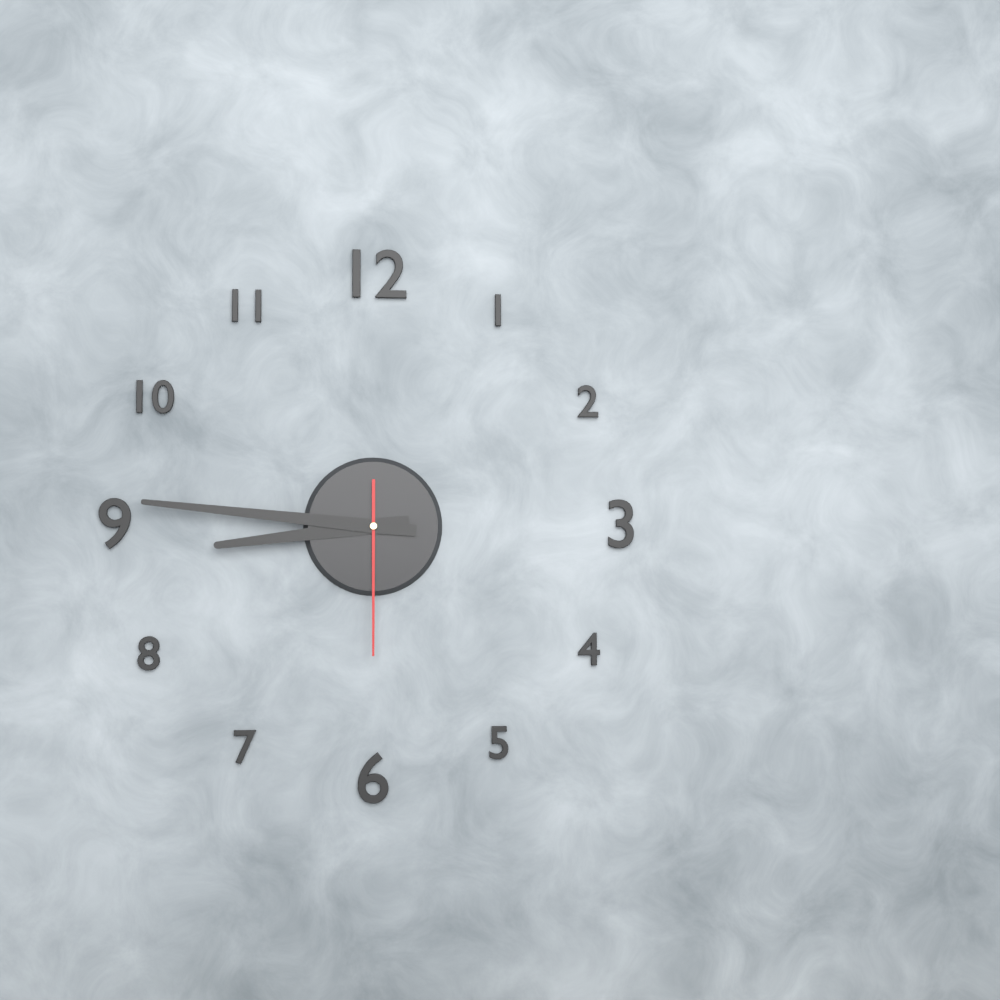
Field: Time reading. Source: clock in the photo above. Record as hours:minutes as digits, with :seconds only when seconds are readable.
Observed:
8:46:30
